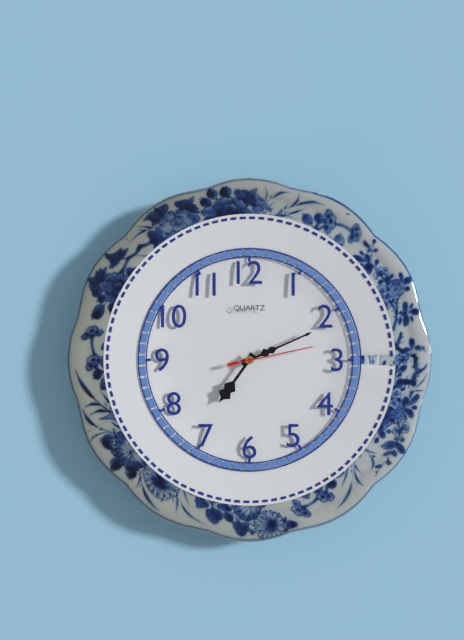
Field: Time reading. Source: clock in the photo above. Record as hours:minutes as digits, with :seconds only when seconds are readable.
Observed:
7:11:13
